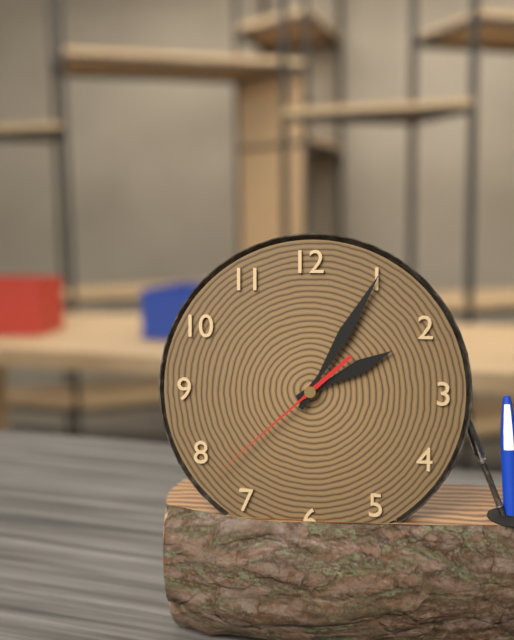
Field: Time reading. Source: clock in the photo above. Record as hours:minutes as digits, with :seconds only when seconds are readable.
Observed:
2:05:38
